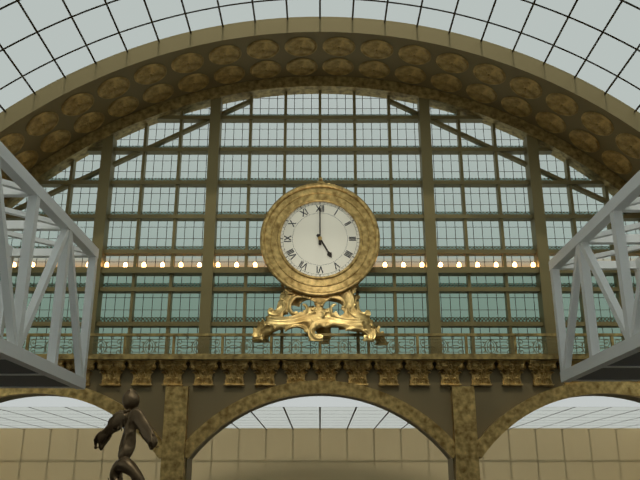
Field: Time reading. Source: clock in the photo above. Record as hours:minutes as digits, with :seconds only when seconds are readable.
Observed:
5:00
